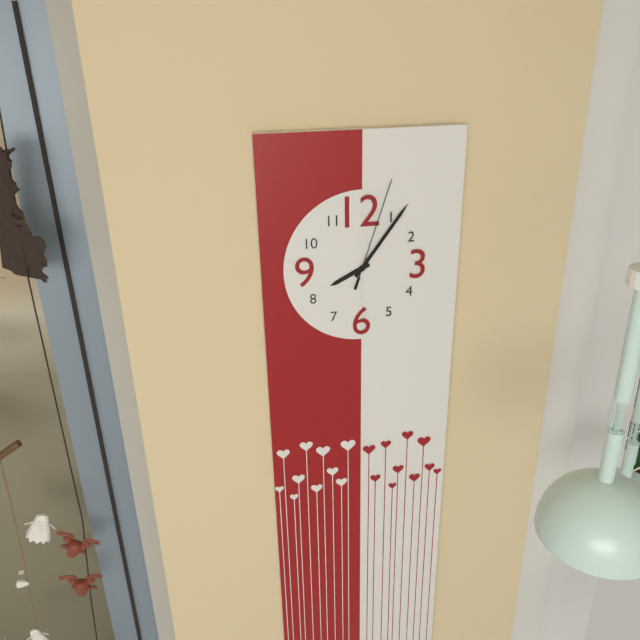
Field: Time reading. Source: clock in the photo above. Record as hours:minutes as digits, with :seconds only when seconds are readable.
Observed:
8:06:03
